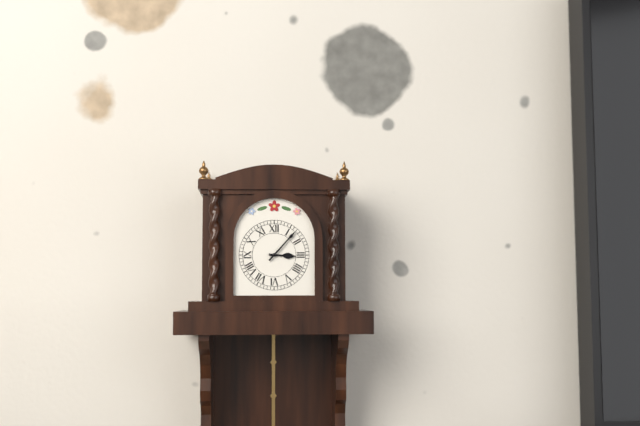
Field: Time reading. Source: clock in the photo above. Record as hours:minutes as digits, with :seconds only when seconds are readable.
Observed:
3:07
